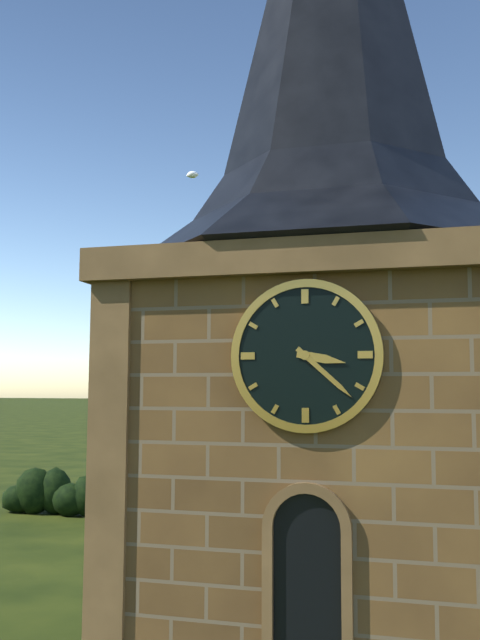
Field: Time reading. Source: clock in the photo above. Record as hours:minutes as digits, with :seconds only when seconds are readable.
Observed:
3:22
